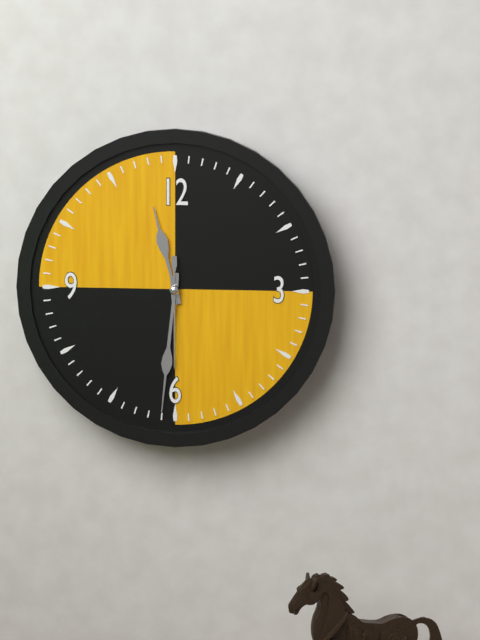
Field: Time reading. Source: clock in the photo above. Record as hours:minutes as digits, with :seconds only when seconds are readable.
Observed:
11:31:30
